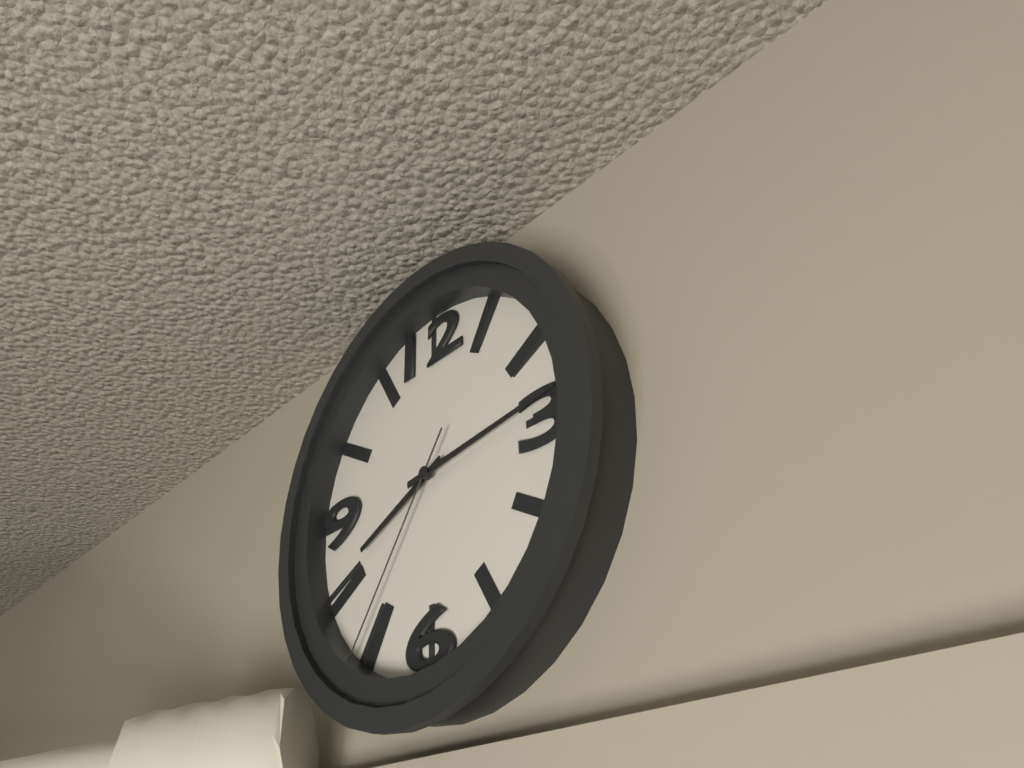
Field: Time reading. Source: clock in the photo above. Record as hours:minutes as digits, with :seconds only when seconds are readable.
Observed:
8:14:36
